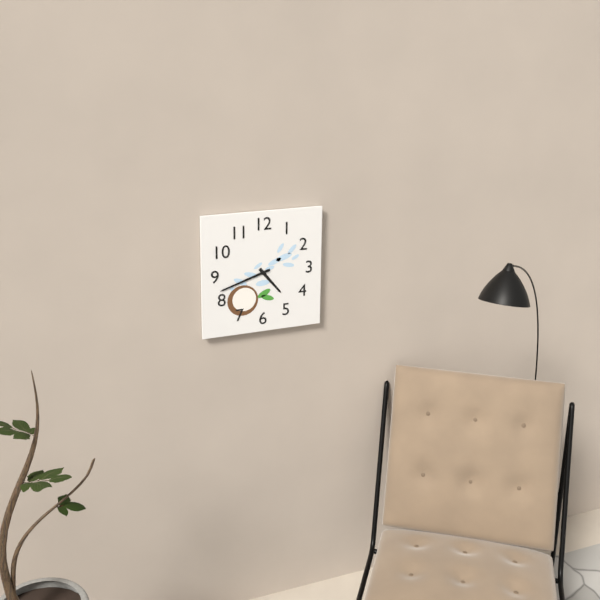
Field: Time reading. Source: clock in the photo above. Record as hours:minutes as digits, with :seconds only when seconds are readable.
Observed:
4:42
